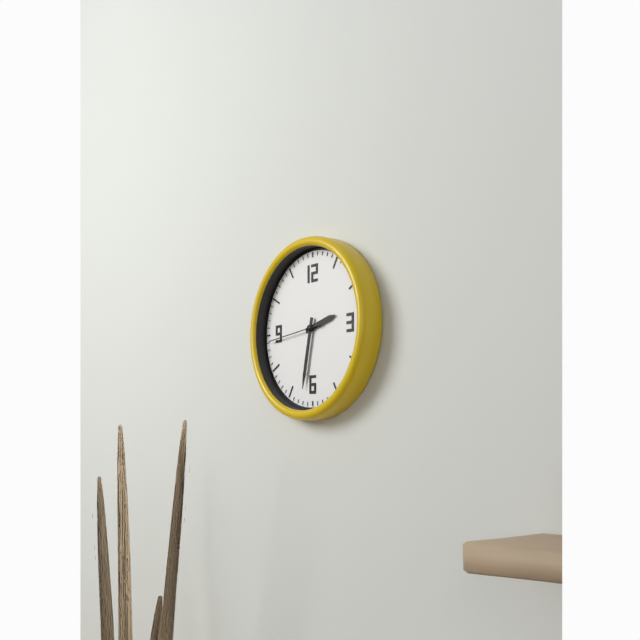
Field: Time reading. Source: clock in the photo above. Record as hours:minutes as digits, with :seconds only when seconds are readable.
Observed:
2:32:44
